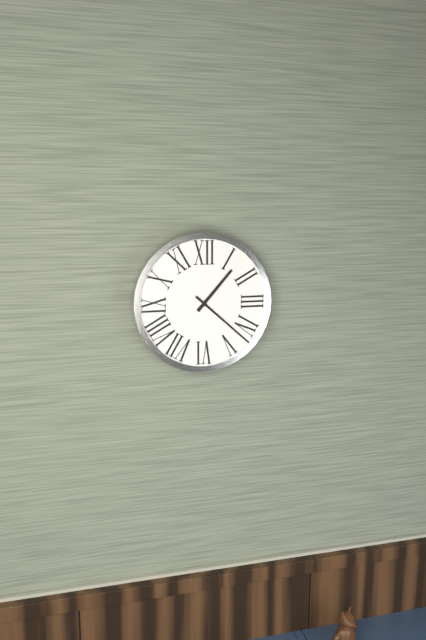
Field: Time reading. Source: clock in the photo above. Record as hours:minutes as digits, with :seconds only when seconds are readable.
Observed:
1:22
